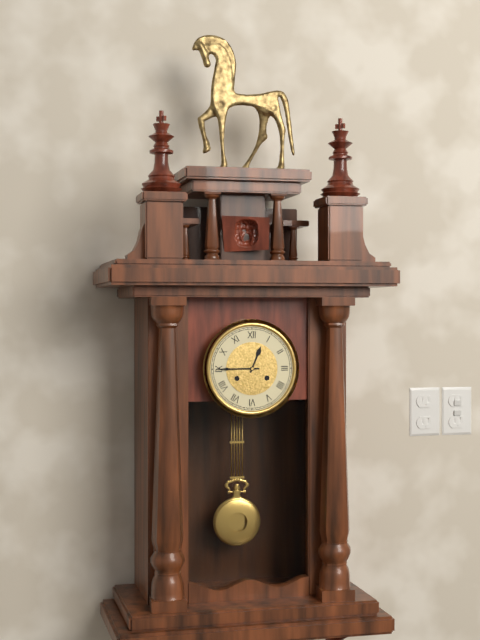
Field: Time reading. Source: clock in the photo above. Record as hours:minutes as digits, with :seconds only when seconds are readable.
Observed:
12:45
